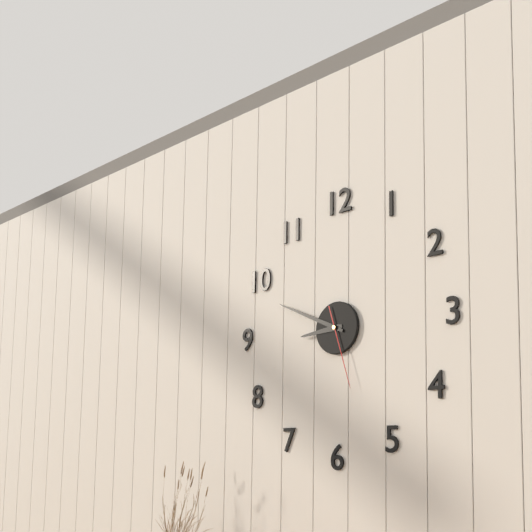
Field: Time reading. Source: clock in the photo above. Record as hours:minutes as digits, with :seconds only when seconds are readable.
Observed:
8:49:27
